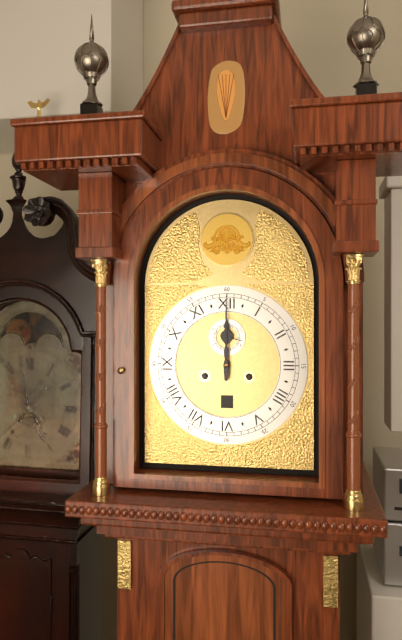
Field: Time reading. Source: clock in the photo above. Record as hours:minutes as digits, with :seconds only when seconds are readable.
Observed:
12:00
